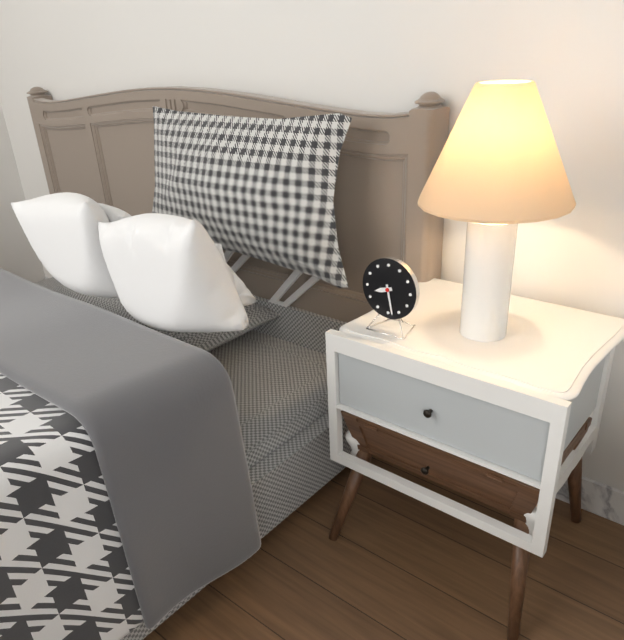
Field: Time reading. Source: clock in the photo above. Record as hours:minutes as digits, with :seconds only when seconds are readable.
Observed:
8:28
